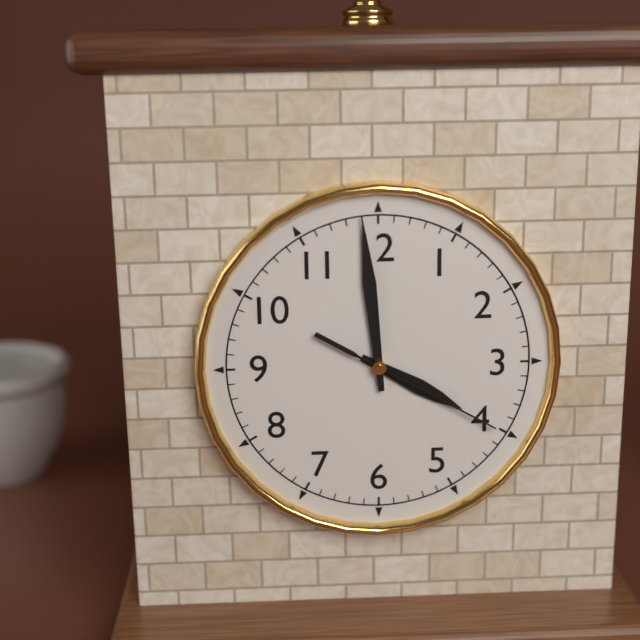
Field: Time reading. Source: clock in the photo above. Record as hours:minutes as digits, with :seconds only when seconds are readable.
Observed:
3:59:20
